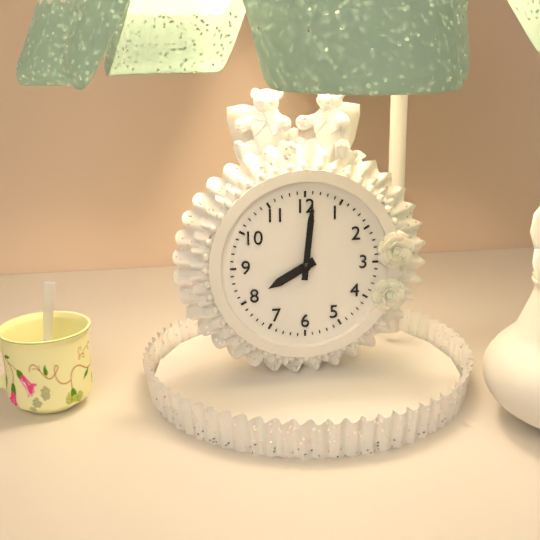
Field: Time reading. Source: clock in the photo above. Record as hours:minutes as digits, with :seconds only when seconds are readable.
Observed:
8:01
